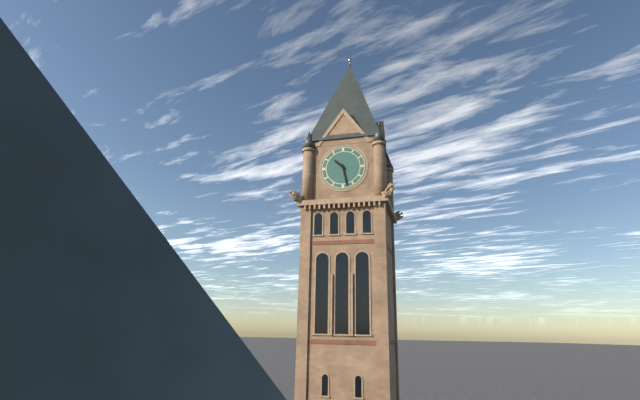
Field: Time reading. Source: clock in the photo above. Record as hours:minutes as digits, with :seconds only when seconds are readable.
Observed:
10:28
